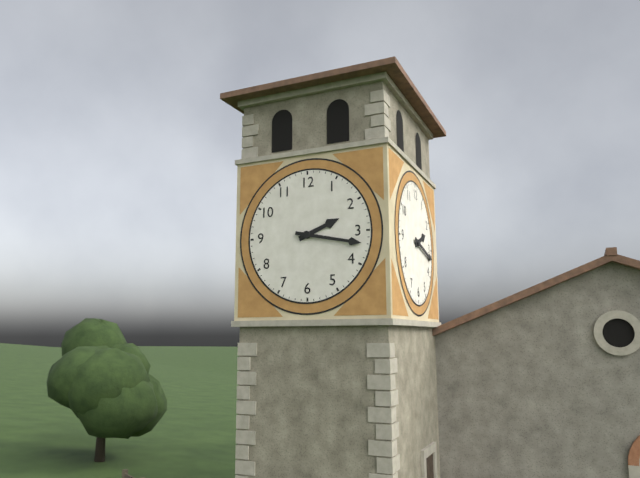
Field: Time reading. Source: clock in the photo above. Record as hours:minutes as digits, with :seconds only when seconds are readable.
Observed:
2:17
